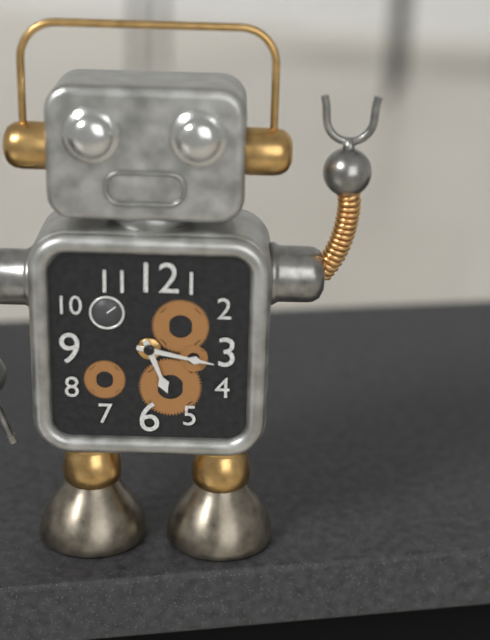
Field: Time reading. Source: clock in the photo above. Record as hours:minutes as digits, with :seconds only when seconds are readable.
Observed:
5:17
